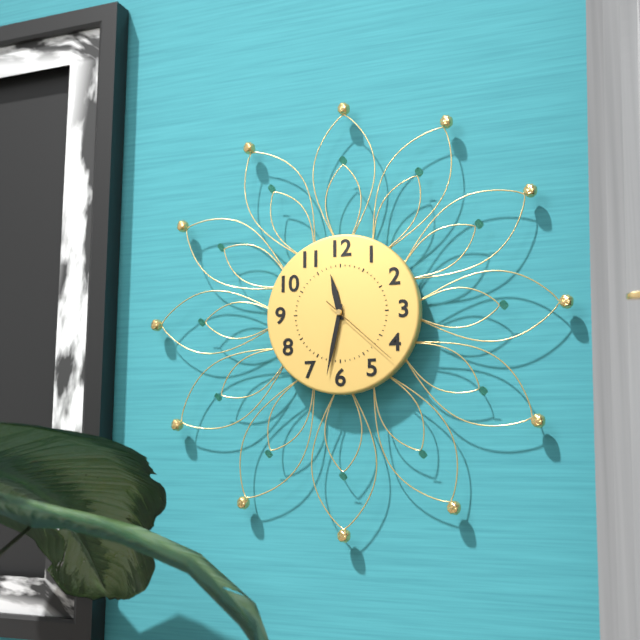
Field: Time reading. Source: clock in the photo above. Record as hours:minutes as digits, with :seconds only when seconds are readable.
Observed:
11:32:22
